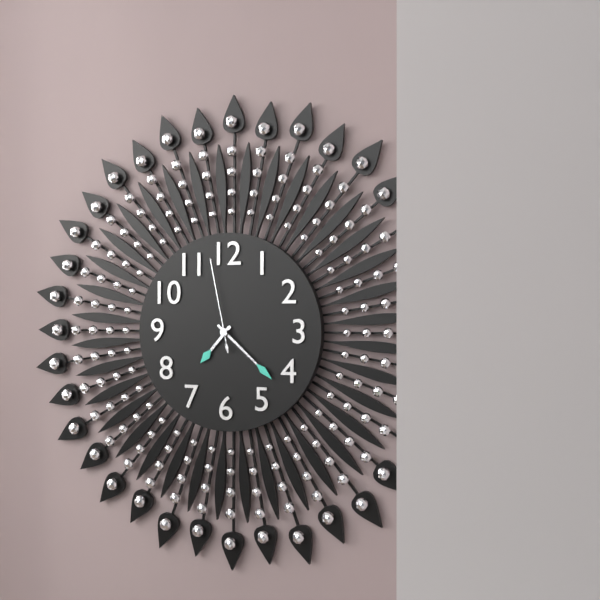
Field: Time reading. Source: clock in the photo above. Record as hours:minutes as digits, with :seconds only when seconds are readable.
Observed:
7:22:58
